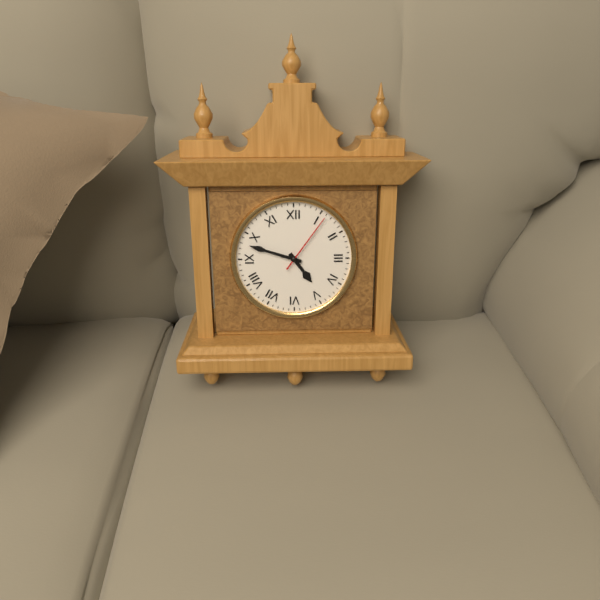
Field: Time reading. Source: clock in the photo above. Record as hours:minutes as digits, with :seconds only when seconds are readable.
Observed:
4:48:06
